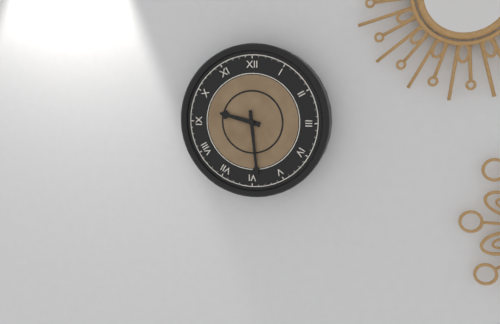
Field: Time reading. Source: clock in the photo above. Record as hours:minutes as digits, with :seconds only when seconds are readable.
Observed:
9:29
